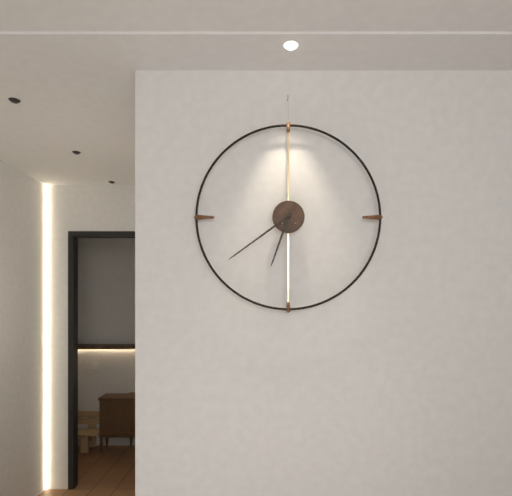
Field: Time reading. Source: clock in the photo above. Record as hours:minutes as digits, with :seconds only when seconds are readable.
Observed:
6:39
